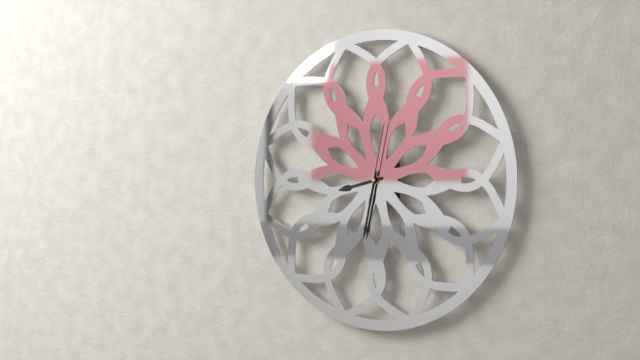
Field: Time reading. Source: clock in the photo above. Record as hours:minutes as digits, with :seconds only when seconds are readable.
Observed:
8:32:02
